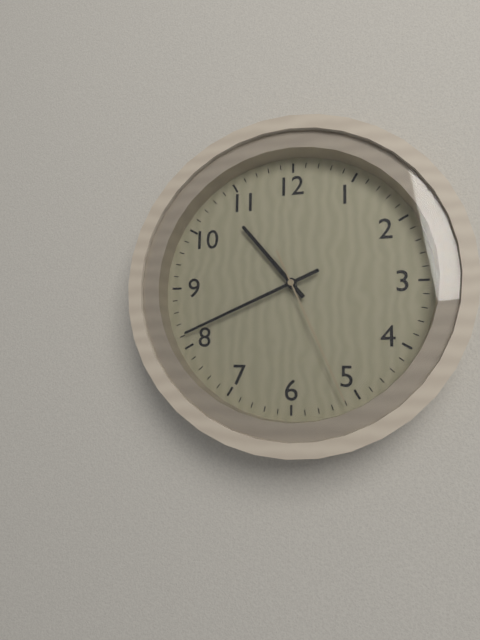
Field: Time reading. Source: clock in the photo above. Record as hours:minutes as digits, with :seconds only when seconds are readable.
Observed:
10:41:26
